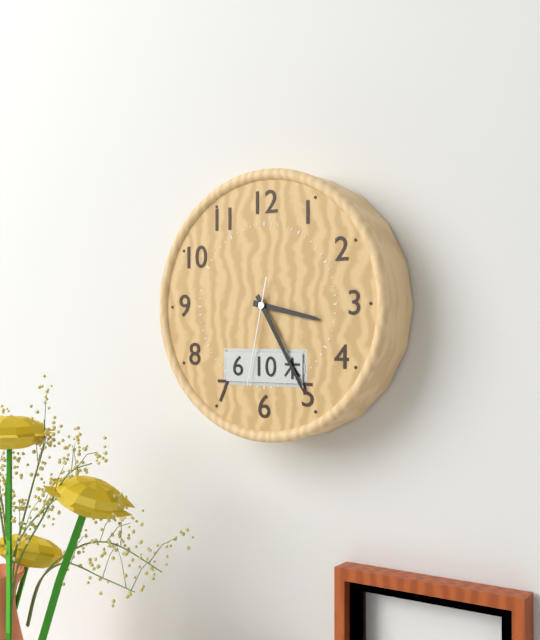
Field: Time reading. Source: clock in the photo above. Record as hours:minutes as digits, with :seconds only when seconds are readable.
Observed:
3:25:32
